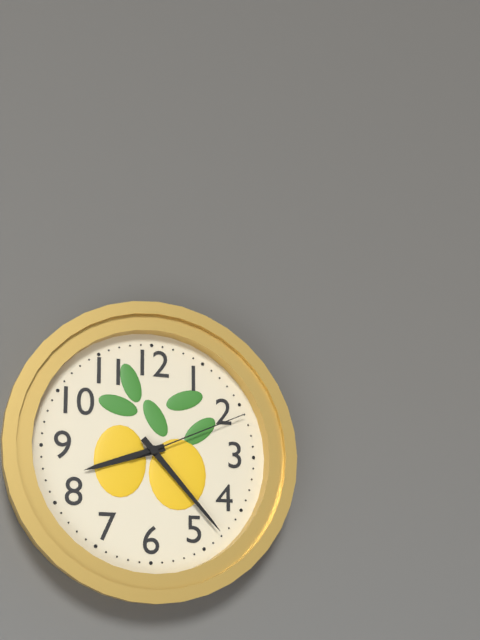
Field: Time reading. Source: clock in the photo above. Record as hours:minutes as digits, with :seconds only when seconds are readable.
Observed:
8:23:11
